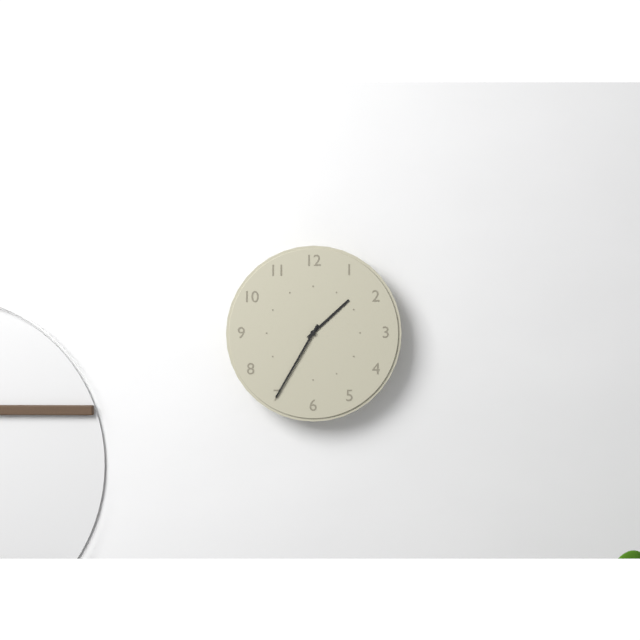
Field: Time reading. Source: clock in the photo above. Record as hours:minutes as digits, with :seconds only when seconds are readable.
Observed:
1:35
